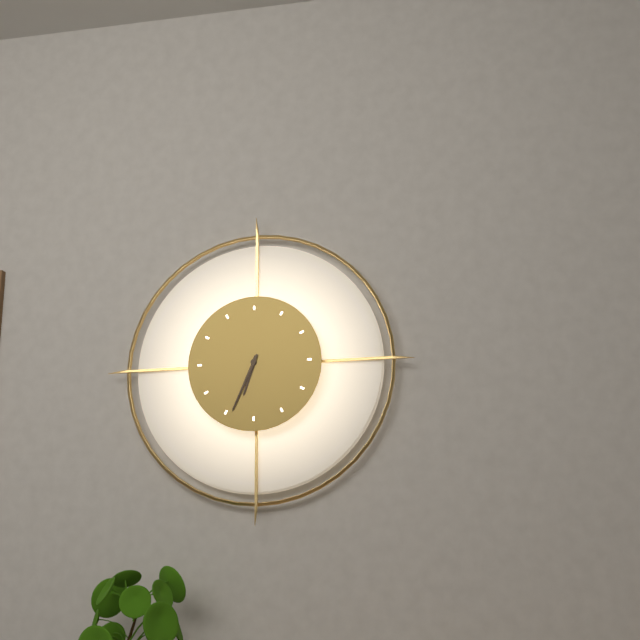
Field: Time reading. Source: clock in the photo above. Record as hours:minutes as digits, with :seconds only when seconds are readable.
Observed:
6:34
